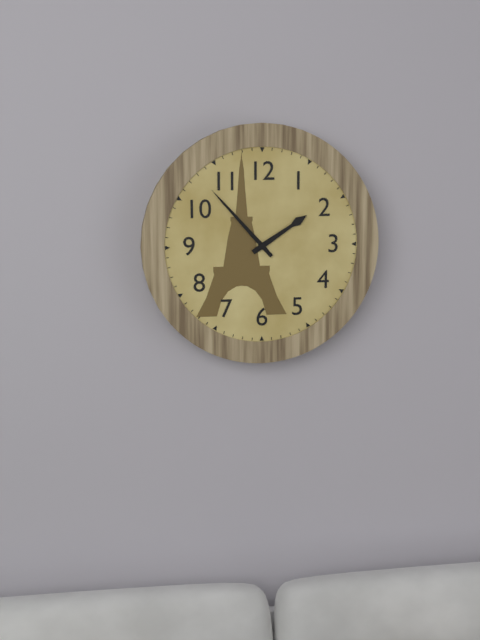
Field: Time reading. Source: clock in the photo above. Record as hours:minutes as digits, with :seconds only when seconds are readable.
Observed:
1:53
